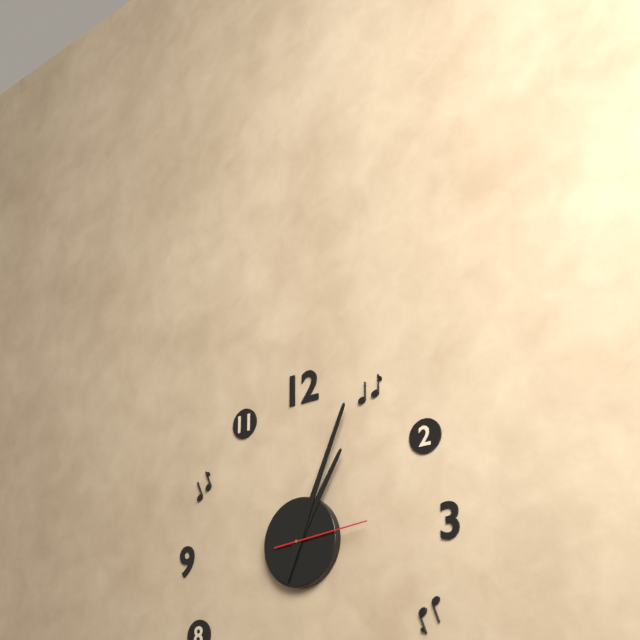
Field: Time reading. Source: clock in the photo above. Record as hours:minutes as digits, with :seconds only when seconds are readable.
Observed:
1:04:14
